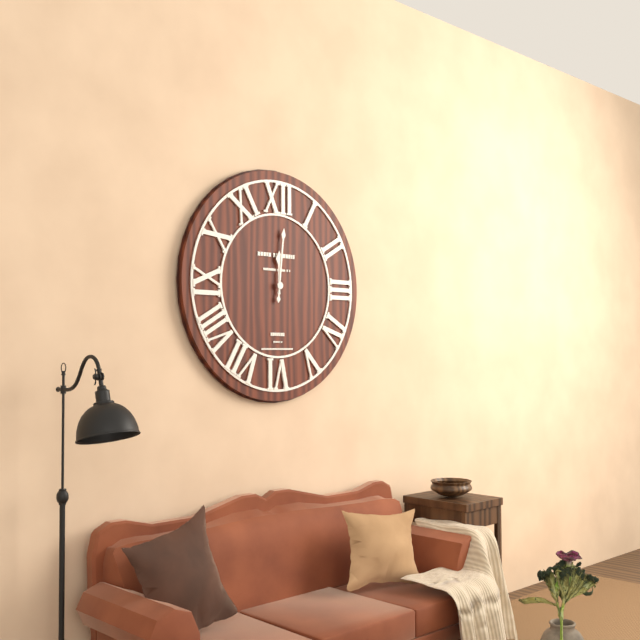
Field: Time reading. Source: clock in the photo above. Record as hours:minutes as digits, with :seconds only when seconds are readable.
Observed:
12:01
